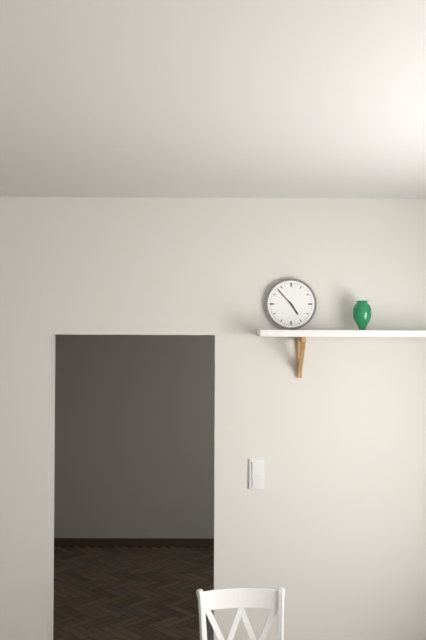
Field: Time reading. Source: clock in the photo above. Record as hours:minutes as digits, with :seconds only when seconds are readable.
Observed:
4:53
